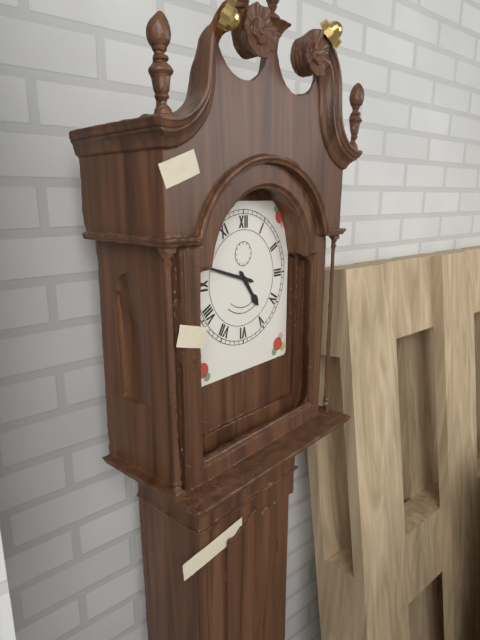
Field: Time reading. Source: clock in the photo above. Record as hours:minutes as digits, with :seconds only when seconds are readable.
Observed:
4:48
